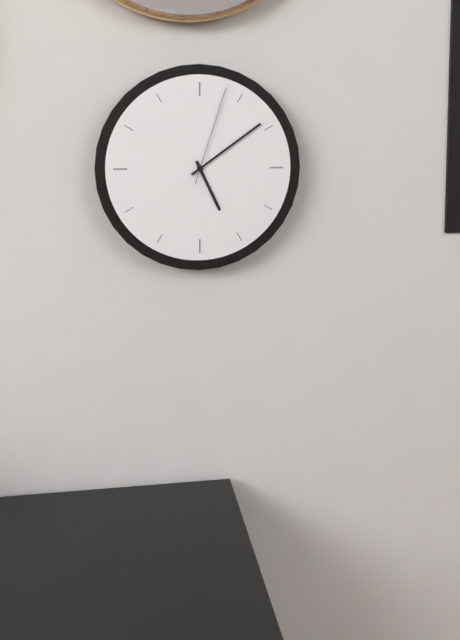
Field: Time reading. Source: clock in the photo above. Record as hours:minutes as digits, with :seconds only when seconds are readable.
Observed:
5:09:03
